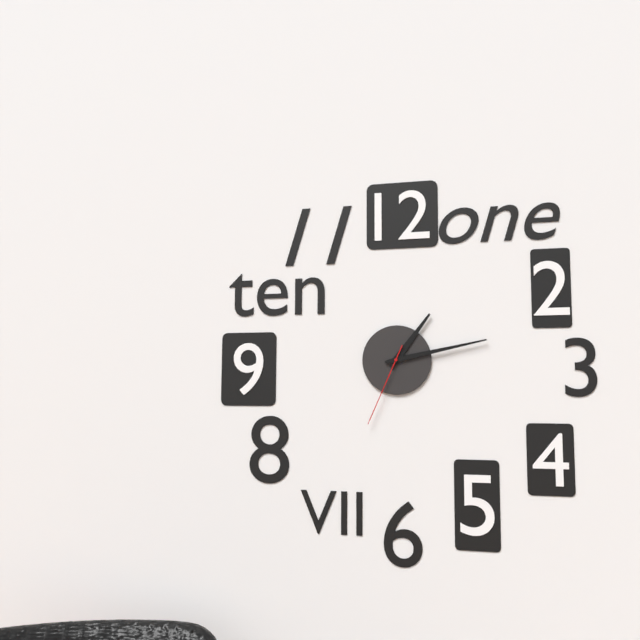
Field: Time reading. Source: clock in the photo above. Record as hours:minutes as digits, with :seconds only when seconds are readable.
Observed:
1:13:34
